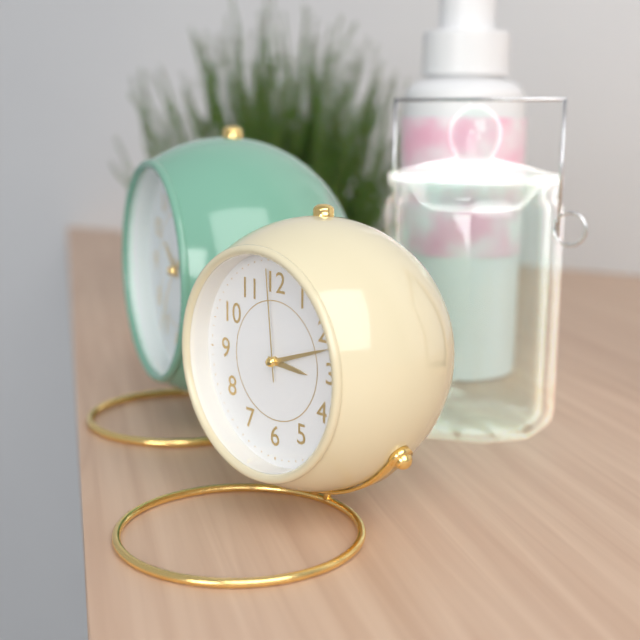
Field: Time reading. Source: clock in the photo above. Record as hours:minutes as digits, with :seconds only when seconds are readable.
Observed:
3:12:59
